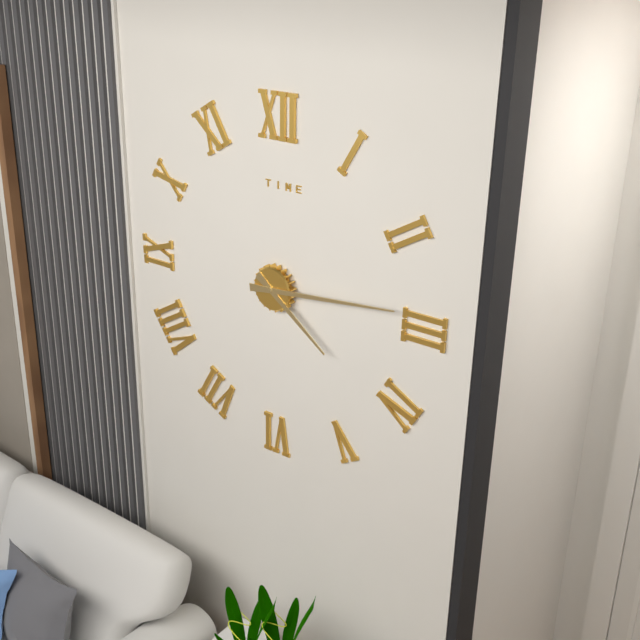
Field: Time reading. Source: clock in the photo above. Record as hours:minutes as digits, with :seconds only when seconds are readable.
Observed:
4:14
